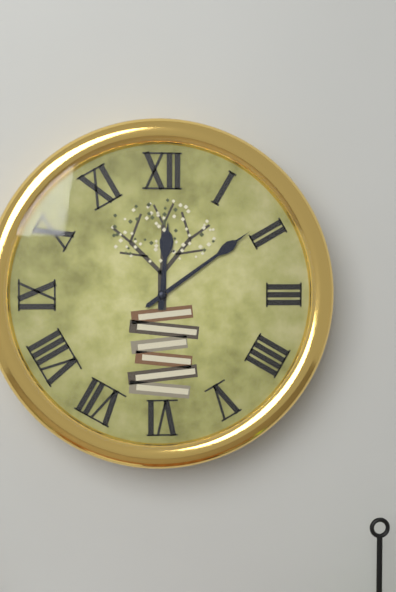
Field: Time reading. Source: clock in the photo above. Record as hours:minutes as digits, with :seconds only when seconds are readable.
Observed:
12:09
